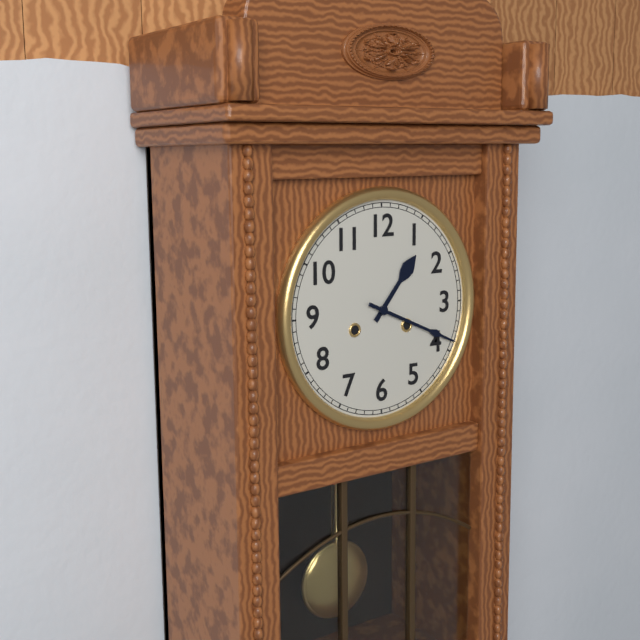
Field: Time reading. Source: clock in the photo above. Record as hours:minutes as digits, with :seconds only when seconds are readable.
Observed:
1:19
